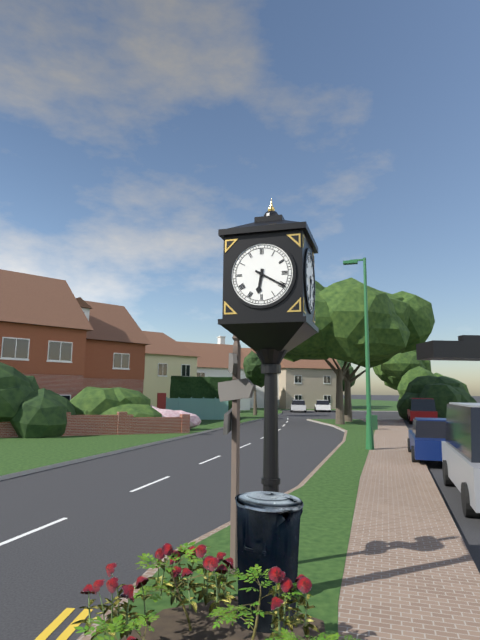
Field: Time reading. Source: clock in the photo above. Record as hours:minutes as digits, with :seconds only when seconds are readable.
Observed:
6:20
